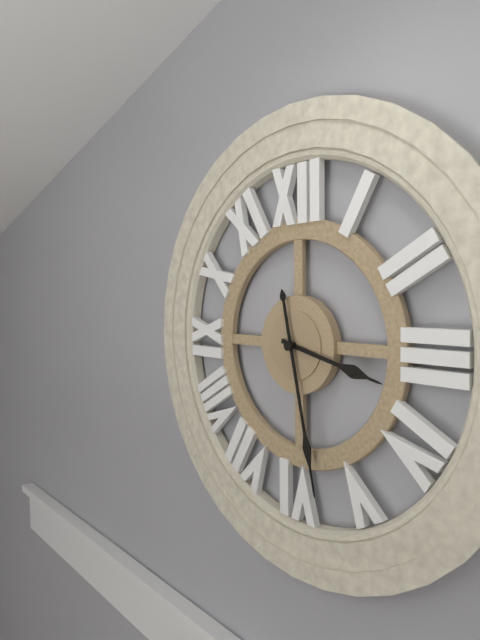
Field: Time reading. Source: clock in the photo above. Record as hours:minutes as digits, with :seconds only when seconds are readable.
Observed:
3:28
